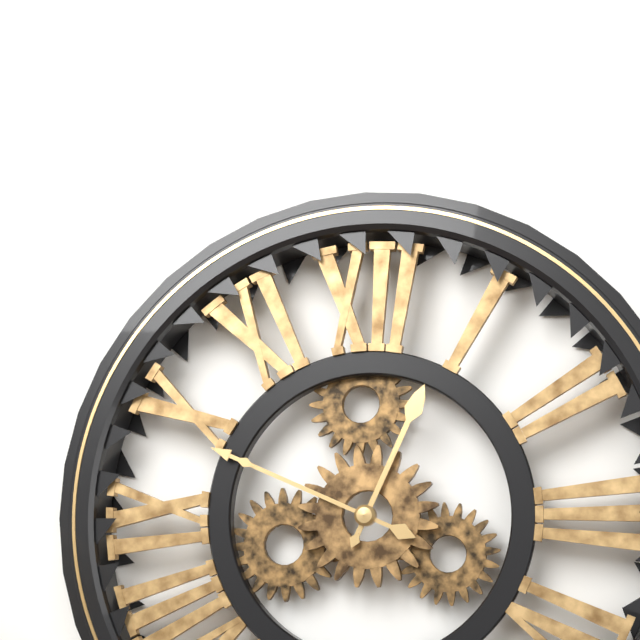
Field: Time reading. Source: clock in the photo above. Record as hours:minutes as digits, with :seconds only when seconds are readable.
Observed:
12:49
